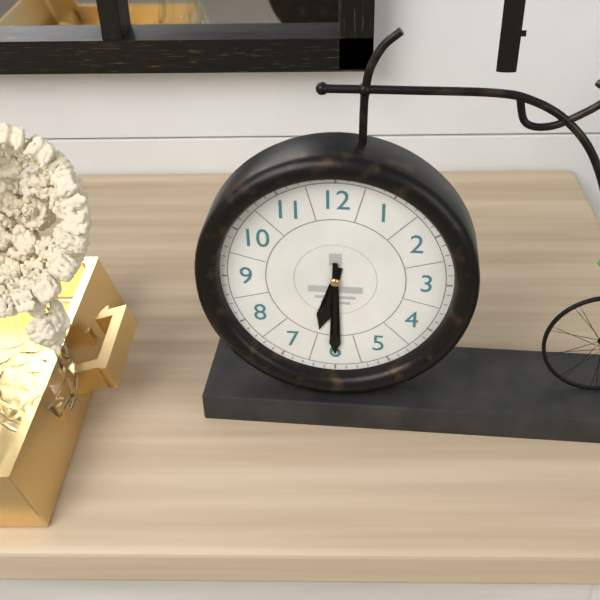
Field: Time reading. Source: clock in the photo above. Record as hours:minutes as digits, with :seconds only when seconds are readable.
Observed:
6:30
